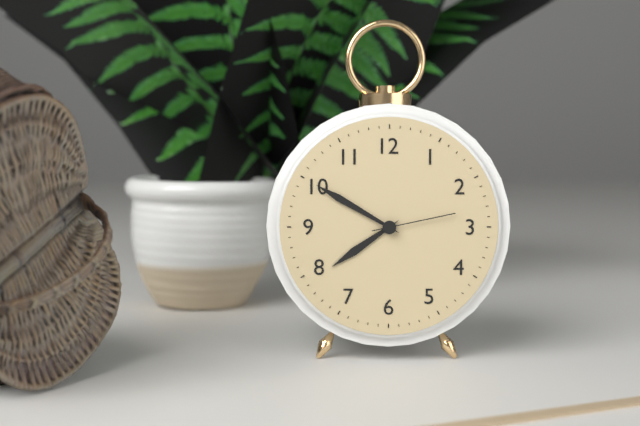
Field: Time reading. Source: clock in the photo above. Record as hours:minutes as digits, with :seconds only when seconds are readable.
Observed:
7:50:13
